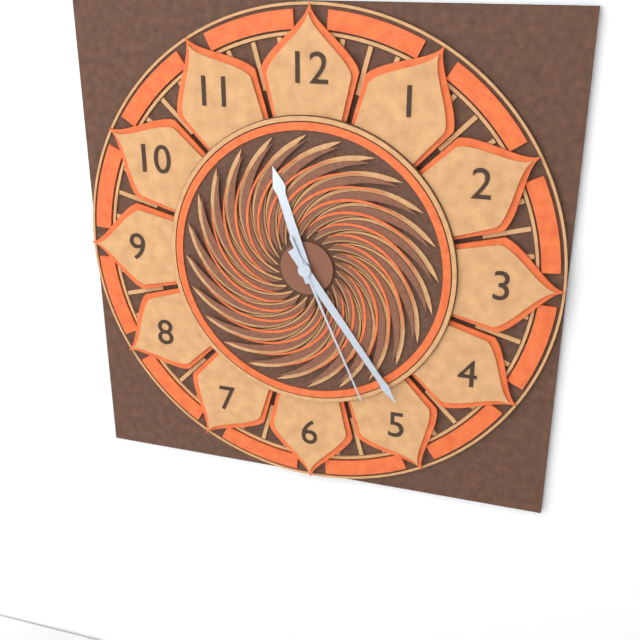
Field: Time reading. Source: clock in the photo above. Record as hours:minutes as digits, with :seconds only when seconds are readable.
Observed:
11:24:26
